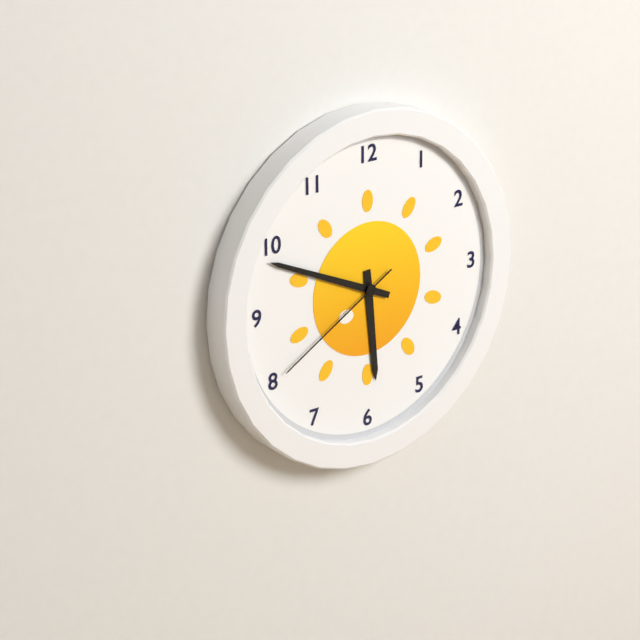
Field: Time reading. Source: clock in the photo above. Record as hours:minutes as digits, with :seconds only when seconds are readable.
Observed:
5:49:40
